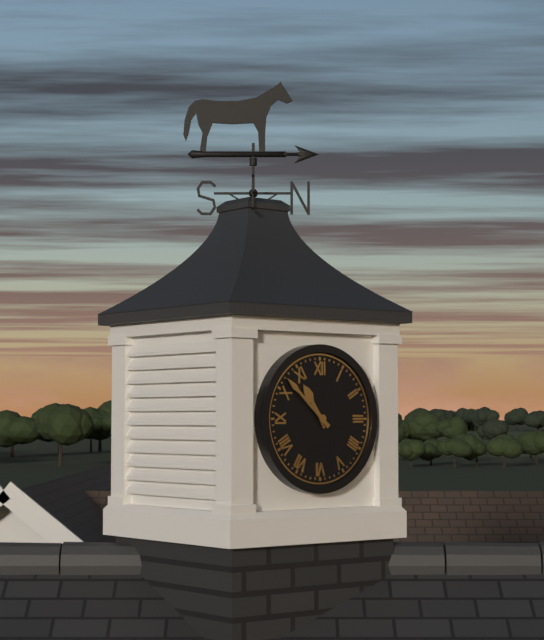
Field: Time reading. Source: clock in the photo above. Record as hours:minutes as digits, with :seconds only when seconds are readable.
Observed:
10:52
